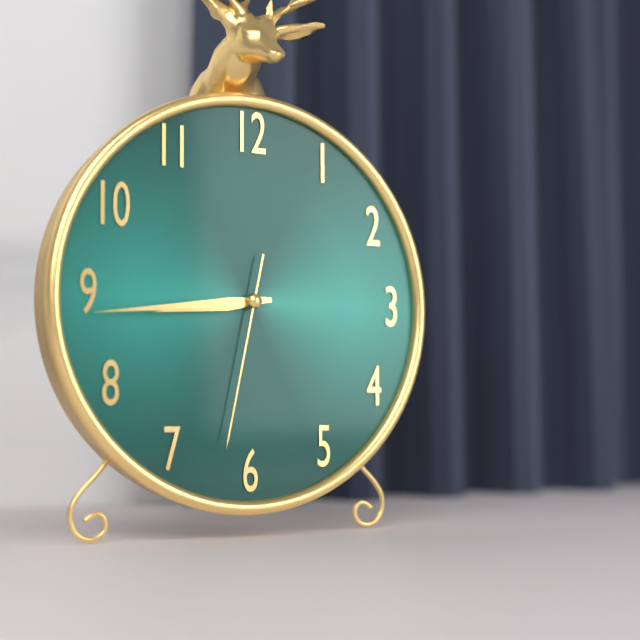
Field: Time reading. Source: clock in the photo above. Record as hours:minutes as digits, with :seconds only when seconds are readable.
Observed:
8:44:32
